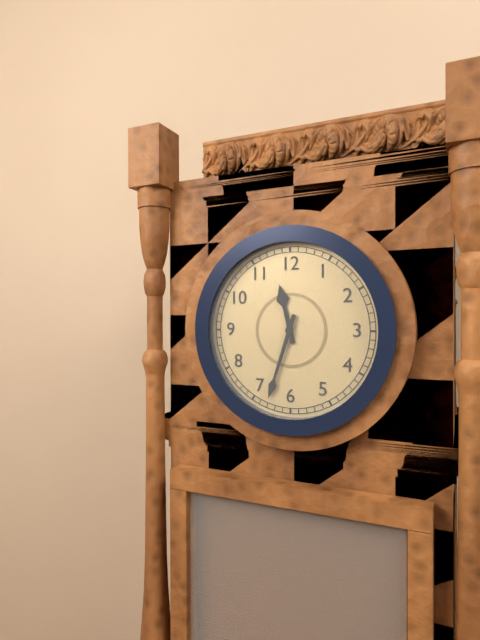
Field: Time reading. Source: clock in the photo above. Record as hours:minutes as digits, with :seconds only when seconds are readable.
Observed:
11:33
